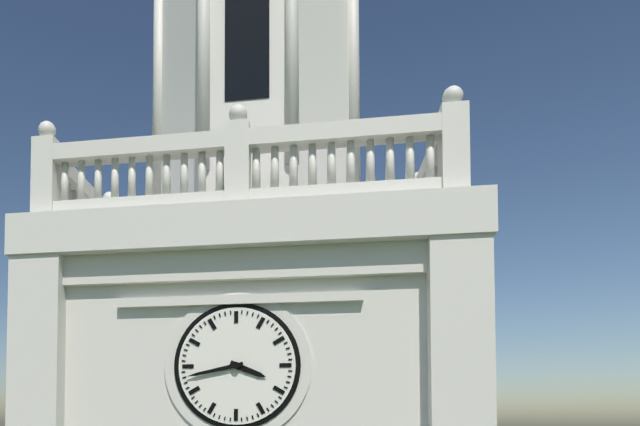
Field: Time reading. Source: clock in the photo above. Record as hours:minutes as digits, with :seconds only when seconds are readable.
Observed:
3:43
